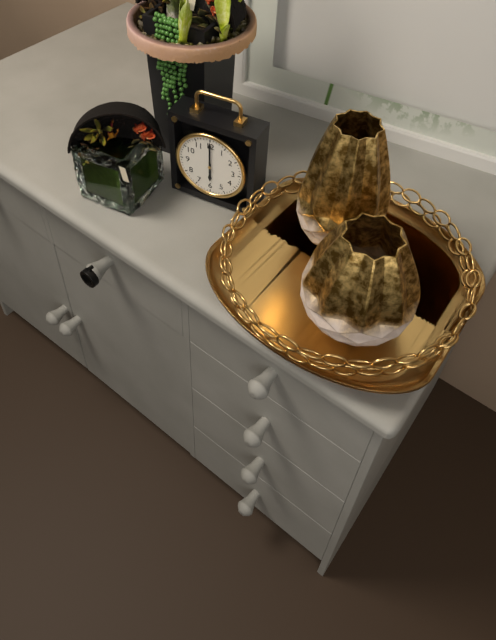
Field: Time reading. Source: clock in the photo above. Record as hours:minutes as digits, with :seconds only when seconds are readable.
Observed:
6:00
